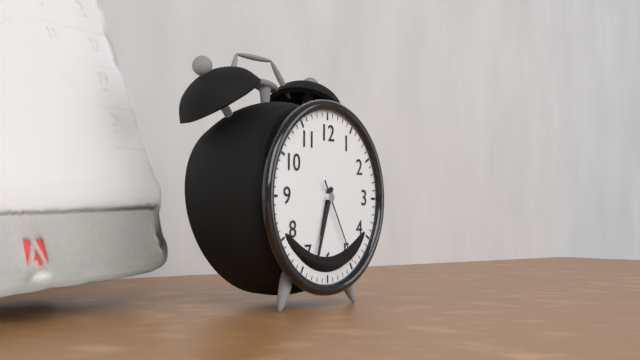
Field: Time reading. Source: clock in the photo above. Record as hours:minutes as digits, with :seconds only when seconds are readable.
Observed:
6:33:25
